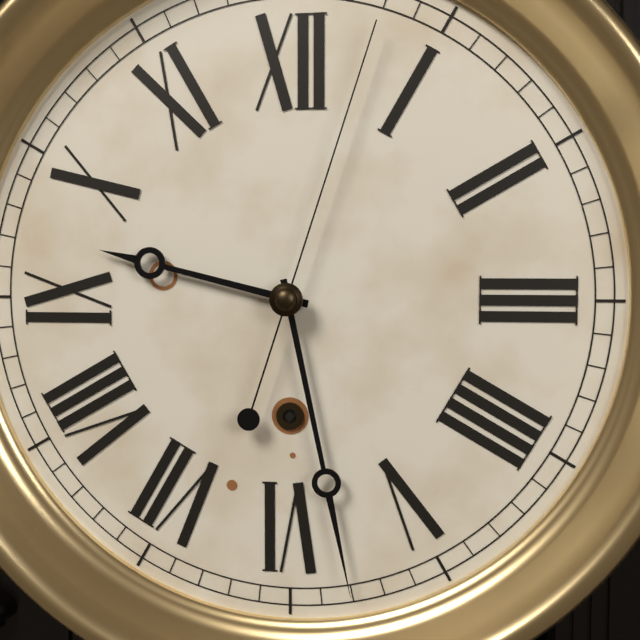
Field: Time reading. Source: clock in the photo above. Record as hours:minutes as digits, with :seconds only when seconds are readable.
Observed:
9:28:03
